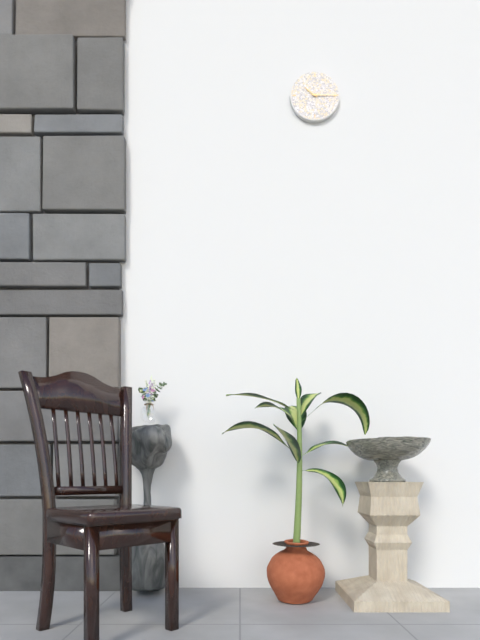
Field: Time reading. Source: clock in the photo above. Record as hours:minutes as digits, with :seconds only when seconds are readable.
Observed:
10:15
